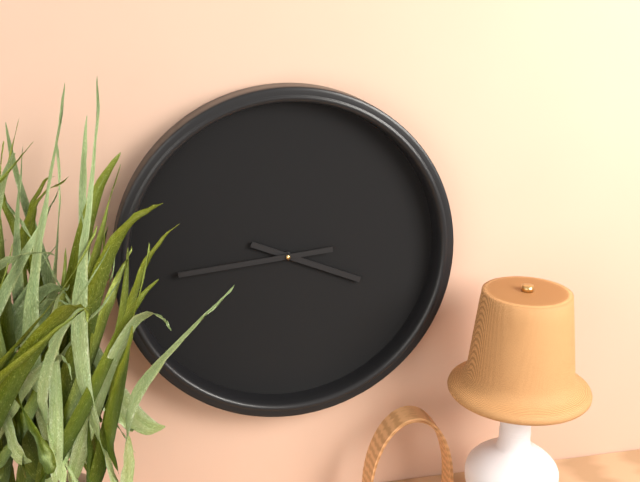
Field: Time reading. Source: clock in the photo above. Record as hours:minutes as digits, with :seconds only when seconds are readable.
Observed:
3:44
